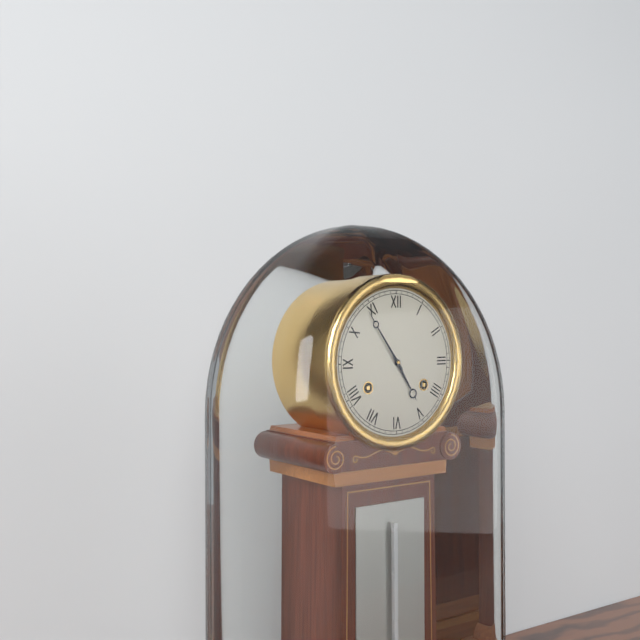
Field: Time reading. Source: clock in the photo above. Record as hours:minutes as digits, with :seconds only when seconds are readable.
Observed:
4:54
